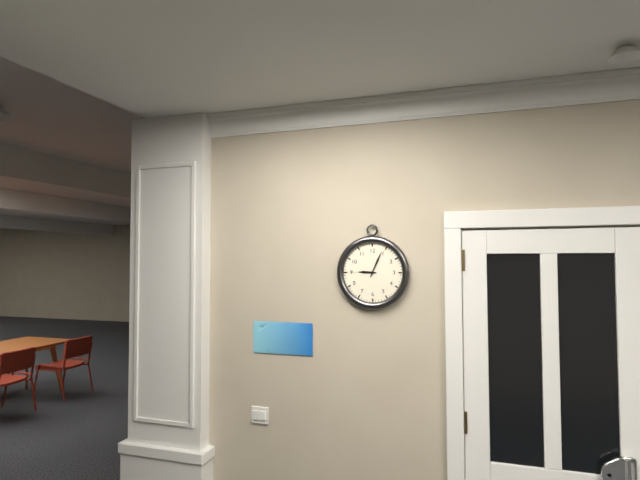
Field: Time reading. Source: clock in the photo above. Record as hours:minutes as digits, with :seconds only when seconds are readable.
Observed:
9:04
